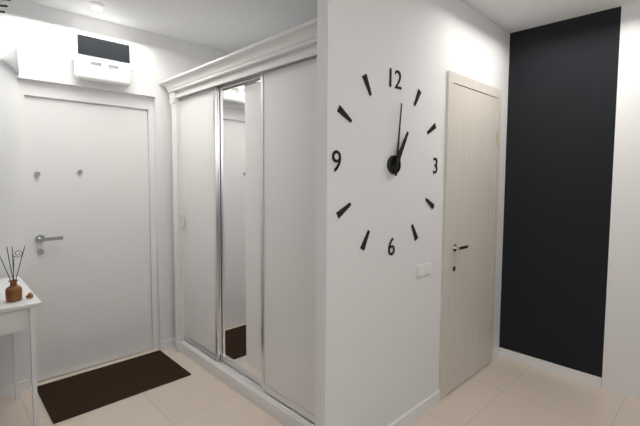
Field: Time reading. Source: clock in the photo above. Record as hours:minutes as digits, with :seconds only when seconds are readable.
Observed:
1:01
